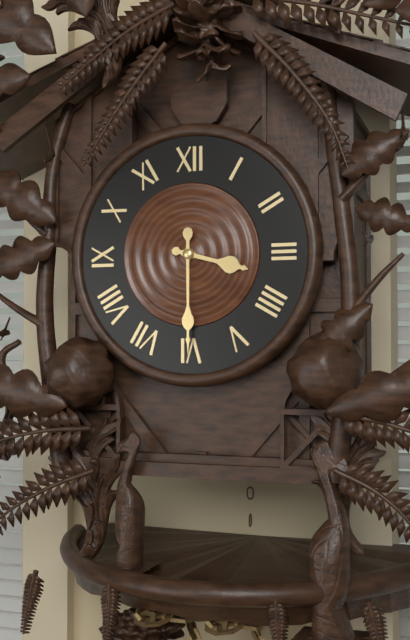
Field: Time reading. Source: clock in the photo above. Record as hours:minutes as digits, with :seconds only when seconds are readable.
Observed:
3:30
